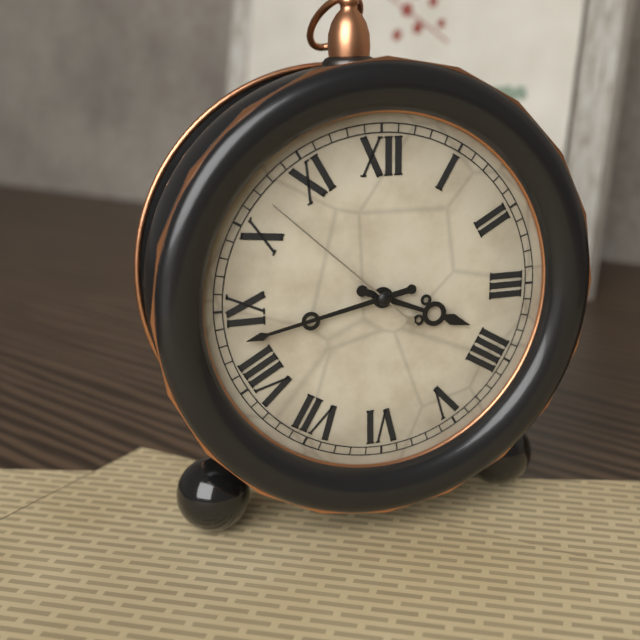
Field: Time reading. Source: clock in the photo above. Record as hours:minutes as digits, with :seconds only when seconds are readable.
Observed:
3:43:52
